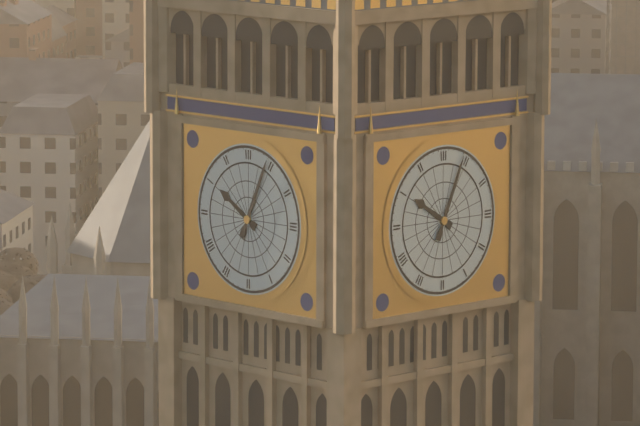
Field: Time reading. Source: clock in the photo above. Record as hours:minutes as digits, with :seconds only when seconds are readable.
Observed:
10:04
